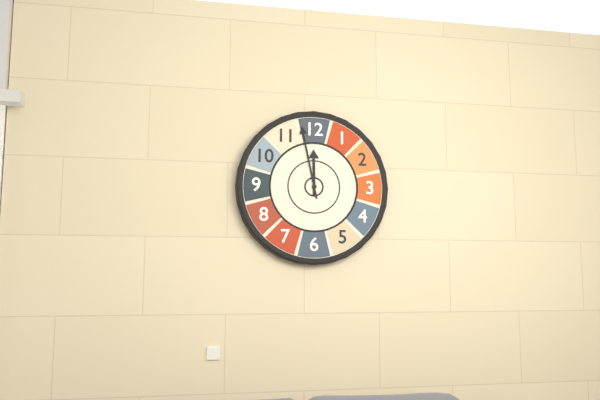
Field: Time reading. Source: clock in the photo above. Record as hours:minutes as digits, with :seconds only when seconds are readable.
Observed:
11:58
